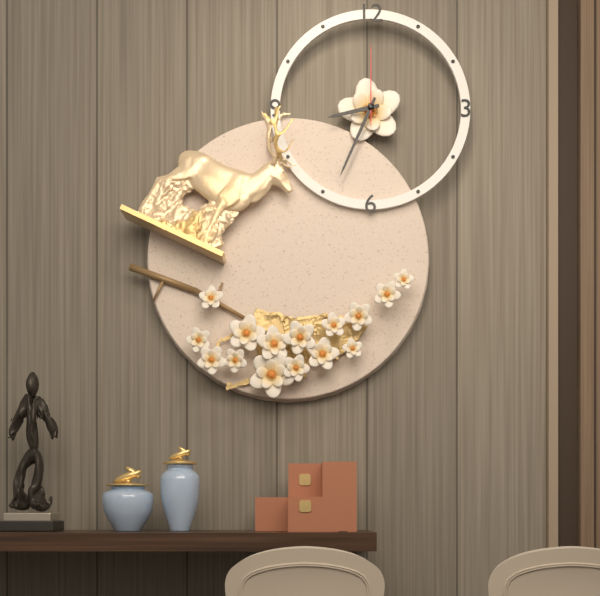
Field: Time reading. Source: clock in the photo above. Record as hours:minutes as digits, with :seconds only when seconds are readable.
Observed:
8:34:00
